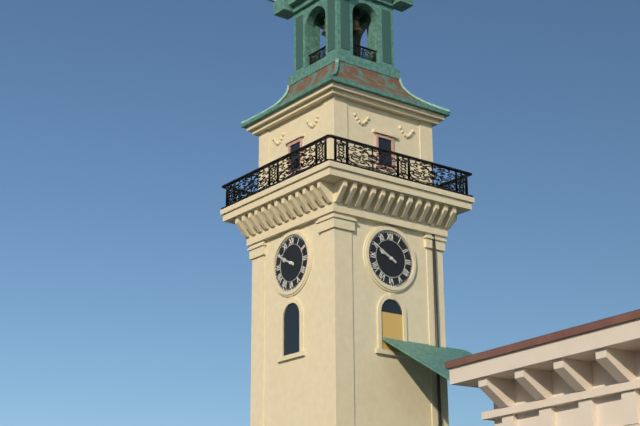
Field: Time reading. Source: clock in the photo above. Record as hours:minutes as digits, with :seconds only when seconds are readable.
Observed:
9:50
